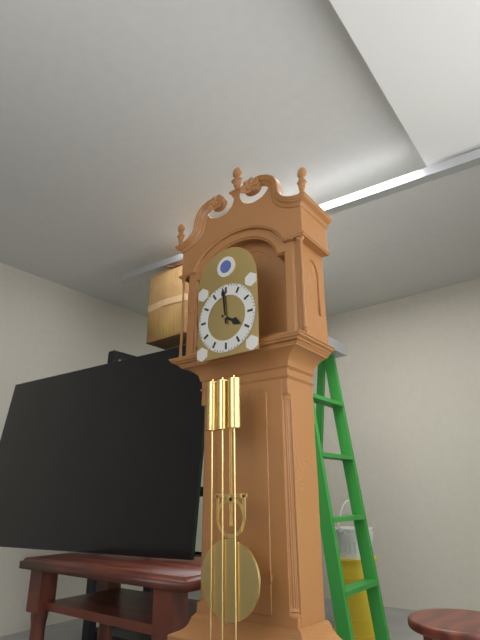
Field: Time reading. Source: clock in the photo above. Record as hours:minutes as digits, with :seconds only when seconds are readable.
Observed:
3:59
